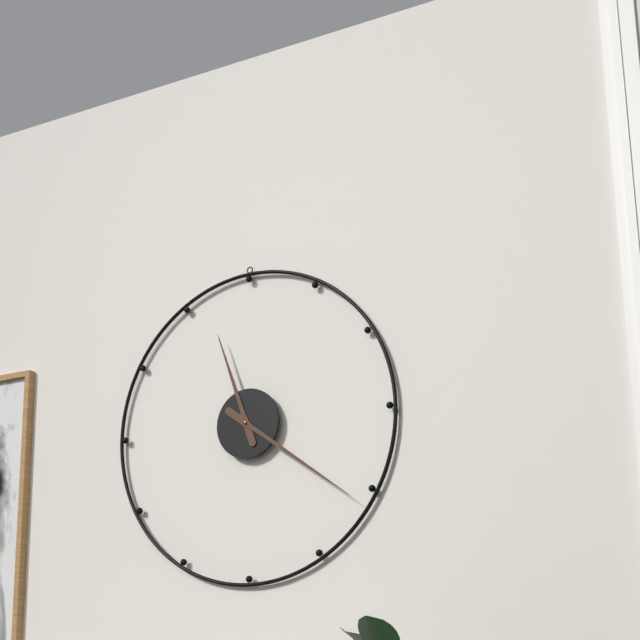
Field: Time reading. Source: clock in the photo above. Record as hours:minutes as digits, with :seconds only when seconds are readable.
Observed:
11:21
